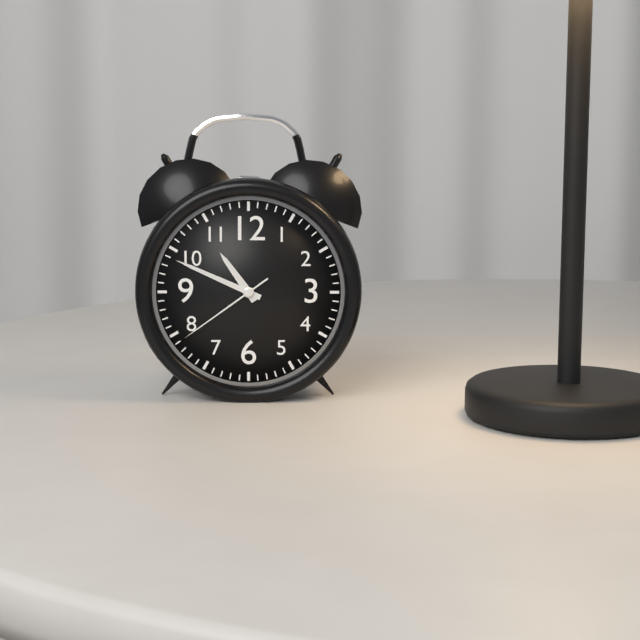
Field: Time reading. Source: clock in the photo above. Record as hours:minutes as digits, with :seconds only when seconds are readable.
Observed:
10:49:39
